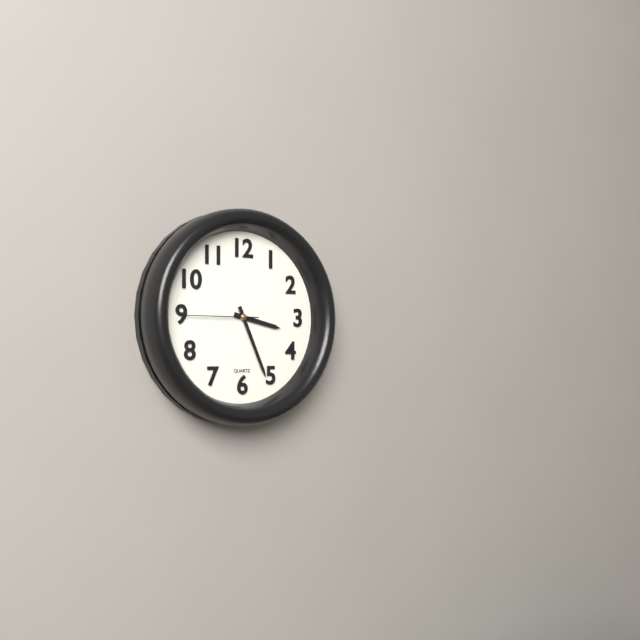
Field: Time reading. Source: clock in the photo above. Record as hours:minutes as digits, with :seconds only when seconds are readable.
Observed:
3:26:45
